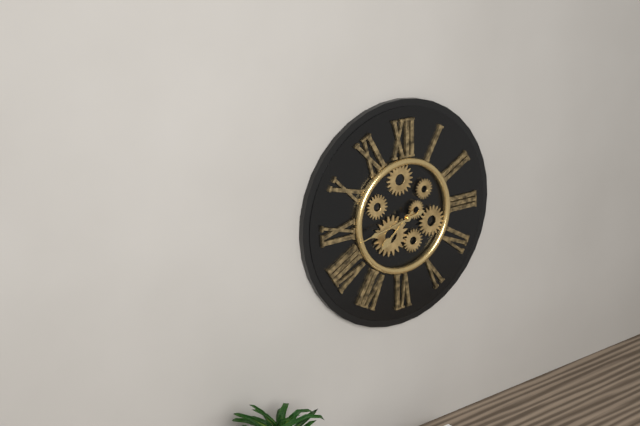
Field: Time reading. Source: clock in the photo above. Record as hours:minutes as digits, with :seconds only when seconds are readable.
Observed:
7:43
